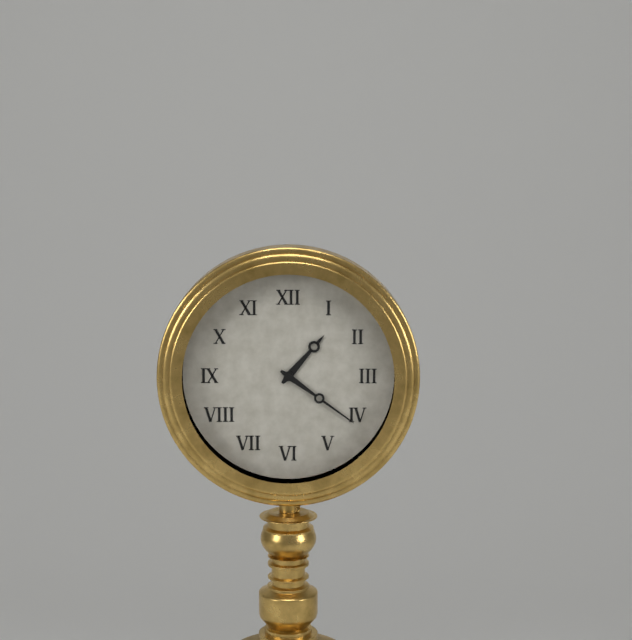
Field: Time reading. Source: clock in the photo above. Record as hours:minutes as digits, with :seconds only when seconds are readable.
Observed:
1:21
